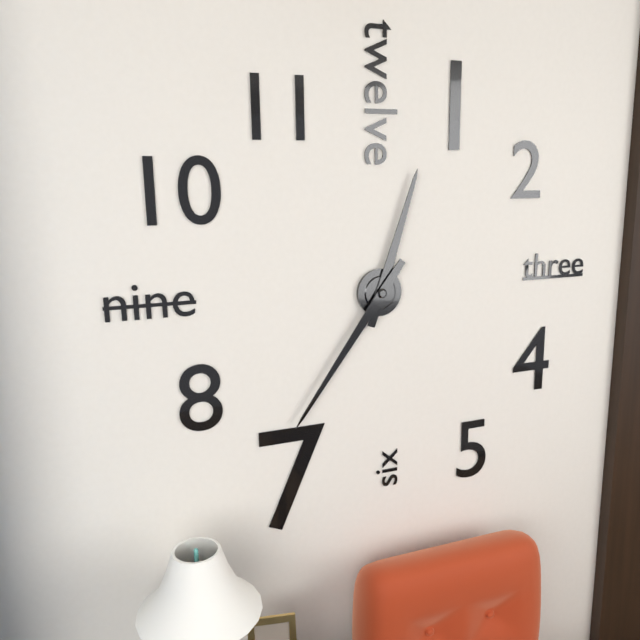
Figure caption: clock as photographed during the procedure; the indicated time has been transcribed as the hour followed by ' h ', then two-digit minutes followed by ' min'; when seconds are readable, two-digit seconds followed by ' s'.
12 h 36 min
